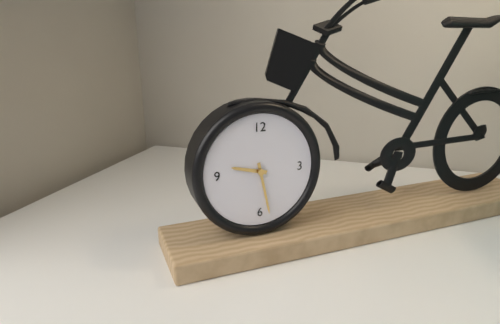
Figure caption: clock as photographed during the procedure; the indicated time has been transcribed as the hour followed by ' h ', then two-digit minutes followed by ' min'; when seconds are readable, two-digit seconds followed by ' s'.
9 h 28 min
